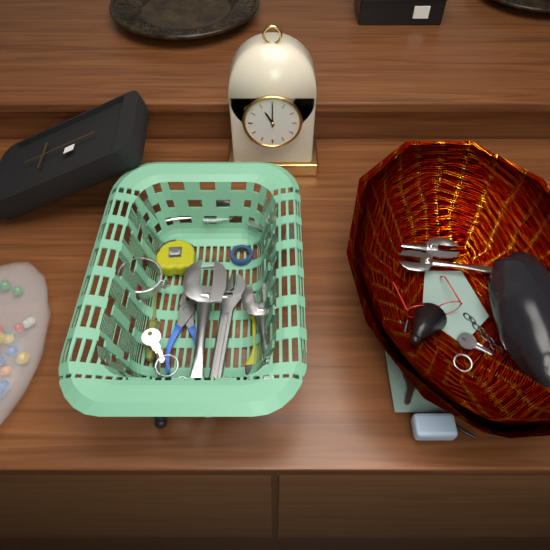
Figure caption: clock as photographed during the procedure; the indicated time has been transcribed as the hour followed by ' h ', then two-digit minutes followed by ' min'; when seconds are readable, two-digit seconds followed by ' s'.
11 h 00 min
